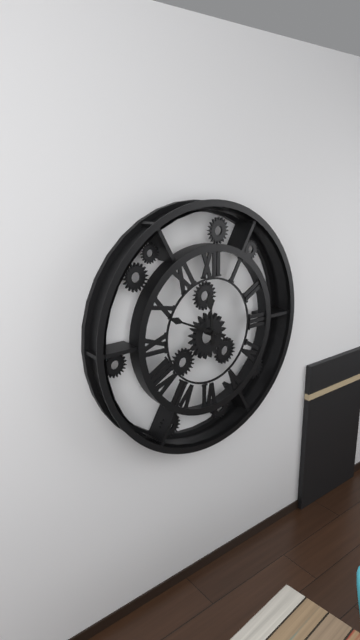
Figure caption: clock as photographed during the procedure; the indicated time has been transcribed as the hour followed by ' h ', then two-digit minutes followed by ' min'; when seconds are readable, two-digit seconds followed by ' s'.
11 h 49 min
